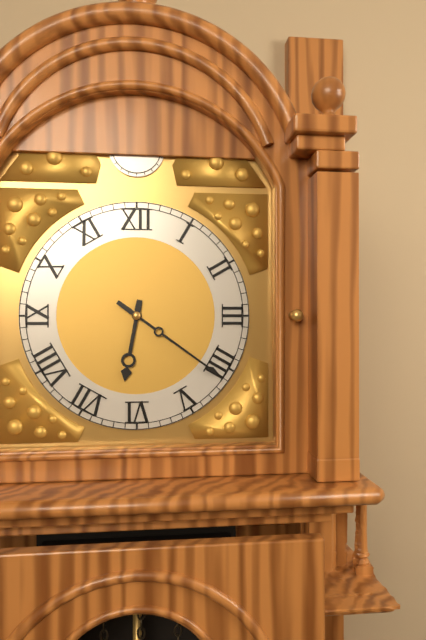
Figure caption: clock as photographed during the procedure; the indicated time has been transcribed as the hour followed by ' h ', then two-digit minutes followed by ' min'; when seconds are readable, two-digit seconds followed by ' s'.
6 h 21 min
